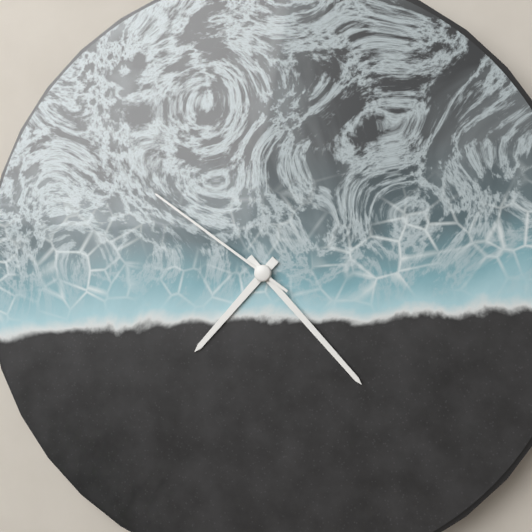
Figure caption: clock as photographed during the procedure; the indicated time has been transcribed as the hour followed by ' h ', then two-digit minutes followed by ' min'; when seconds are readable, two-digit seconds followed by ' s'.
7 h 23 min 51 s
